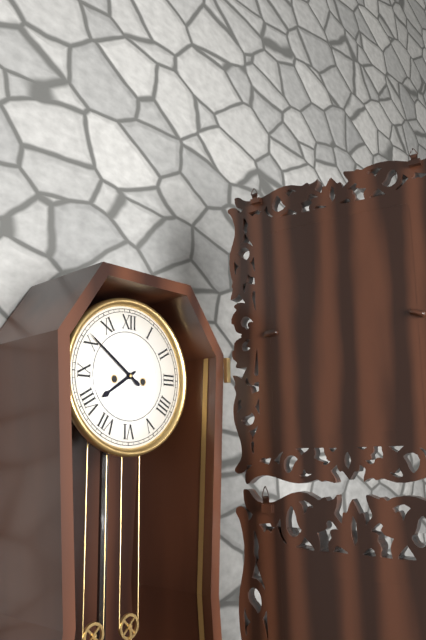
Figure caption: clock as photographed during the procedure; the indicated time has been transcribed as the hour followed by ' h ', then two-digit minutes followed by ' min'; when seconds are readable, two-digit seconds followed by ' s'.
7 h 51 min
